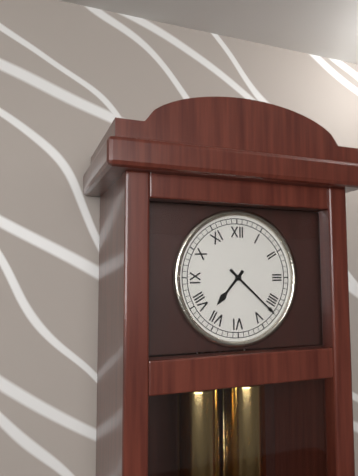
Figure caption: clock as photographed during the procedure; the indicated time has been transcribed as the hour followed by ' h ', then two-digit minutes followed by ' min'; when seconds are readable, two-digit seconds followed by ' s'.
7 h 22 min
